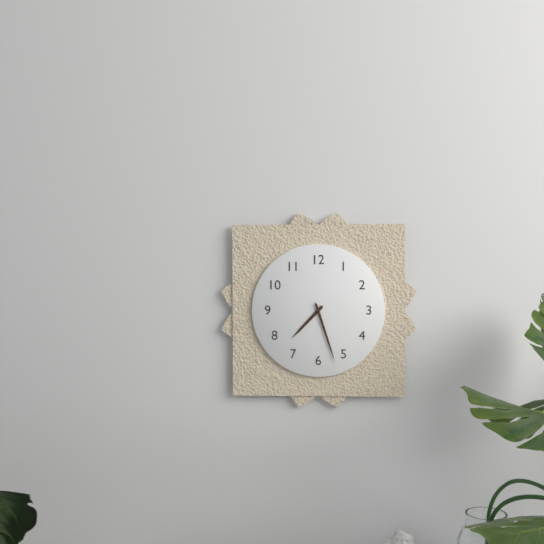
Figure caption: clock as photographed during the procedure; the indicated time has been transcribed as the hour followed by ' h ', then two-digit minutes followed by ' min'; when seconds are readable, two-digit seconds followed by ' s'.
7 h 27 min
